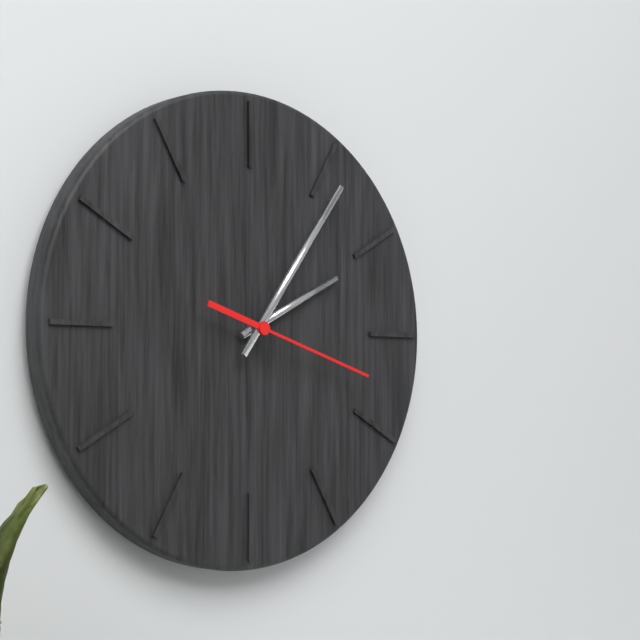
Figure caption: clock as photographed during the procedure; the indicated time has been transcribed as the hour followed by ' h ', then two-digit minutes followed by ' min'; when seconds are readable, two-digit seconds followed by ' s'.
2 h 06 min 18 s
